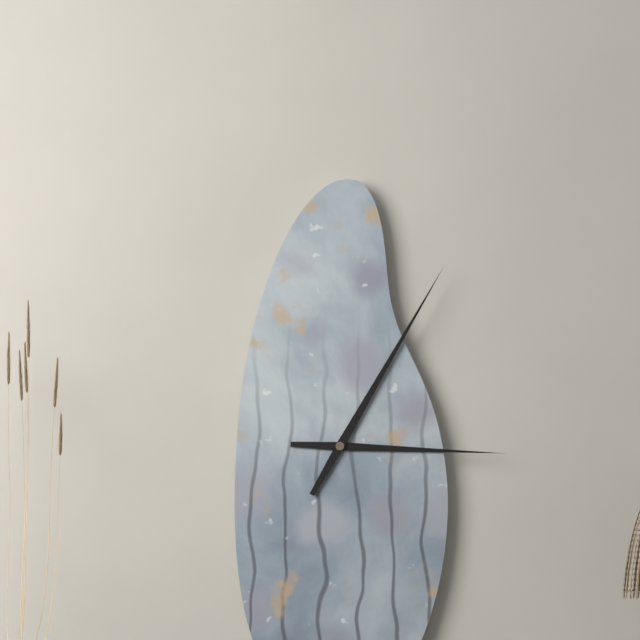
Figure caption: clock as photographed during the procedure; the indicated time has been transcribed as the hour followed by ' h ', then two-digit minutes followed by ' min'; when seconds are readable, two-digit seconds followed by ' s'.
3 h 05 min
